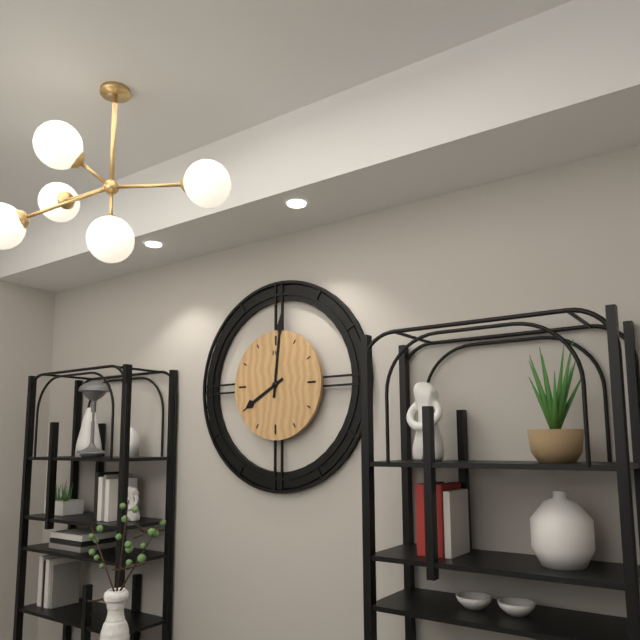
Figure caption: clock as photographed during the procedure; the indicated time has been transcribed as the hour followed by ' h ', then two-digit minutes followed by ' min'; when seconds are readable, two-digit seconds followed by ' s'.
8 h 01 min
